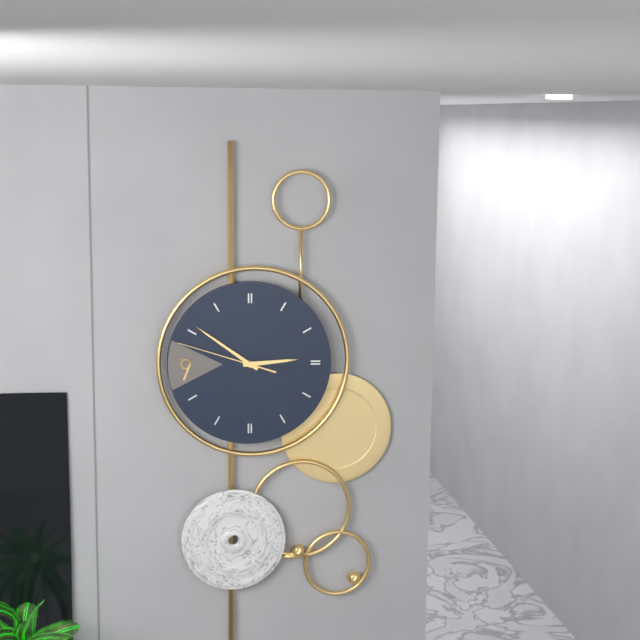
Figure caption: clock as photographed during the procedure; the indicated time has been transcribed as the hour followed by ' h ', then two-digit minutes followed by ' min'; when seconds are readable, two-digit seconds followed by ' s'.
2 h 51 min 48 s
